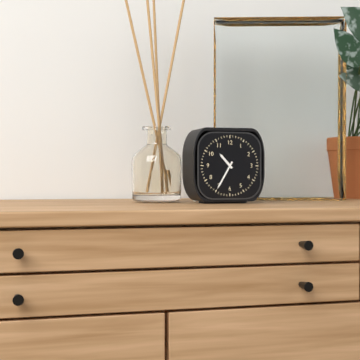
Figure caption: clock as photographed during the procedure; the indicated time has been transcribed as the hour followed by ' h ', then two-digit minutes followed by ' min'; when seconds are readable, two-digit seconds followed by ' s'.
10 h 35 min
